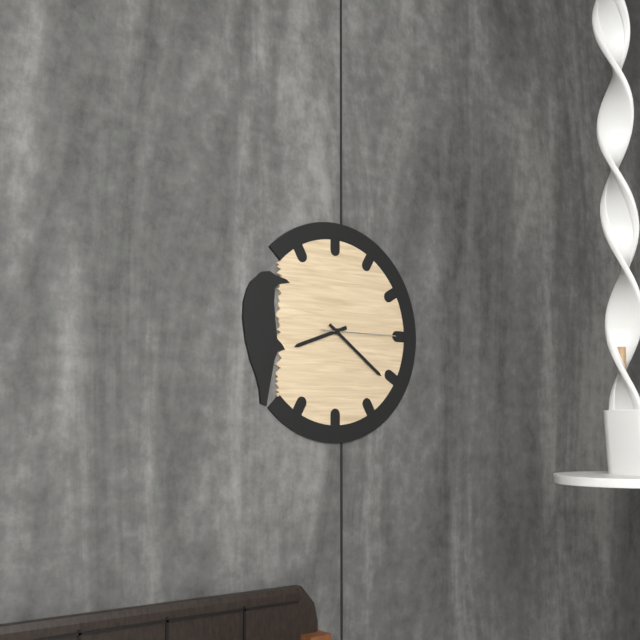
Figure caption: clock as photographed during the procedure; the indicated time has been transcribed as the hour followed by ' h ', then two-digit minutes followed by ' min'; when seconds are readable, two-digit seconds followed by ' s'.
8 h 21 min 15 s
